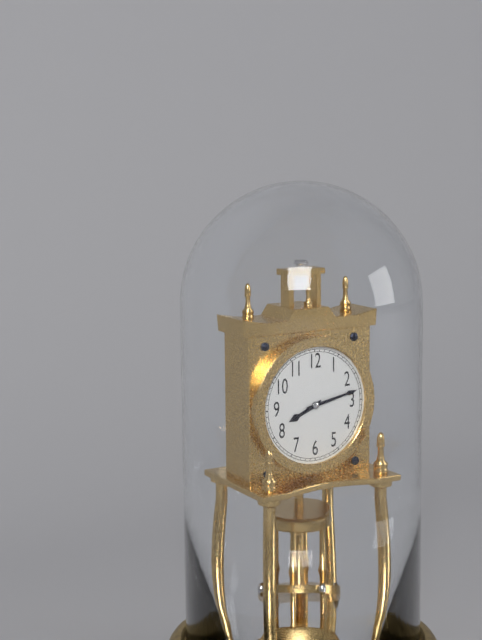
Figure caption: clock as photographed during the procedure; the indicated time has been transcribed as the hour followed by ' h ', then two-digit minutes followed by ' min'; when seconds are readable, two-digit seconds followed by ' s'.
8 h 13 min
